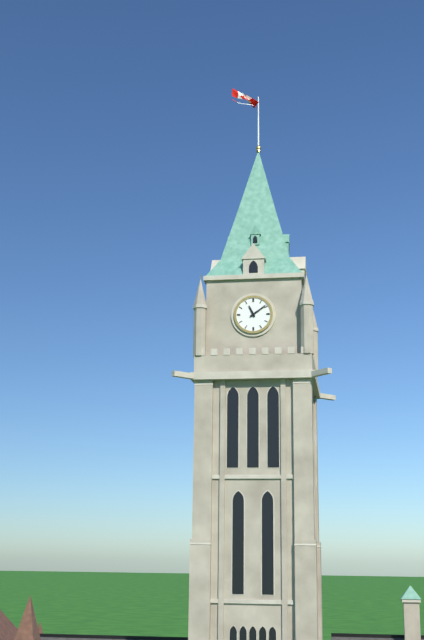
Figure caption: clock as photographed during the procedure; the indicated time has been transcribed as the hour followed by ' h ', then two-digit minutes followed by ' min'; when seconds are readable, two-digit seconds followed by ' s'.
11 h 09 min
